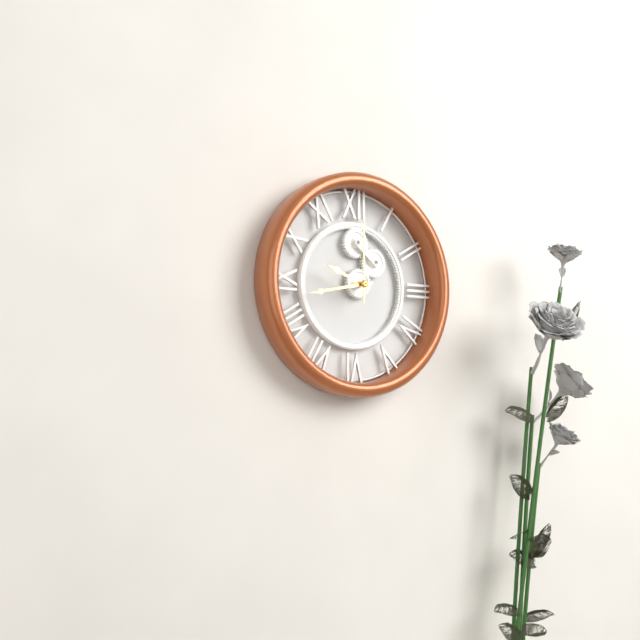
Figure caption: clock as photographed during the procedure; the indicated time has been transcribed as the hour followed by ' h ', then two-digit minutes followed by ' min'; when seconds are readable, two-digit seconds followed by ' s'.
9 h 43 min 00 s
